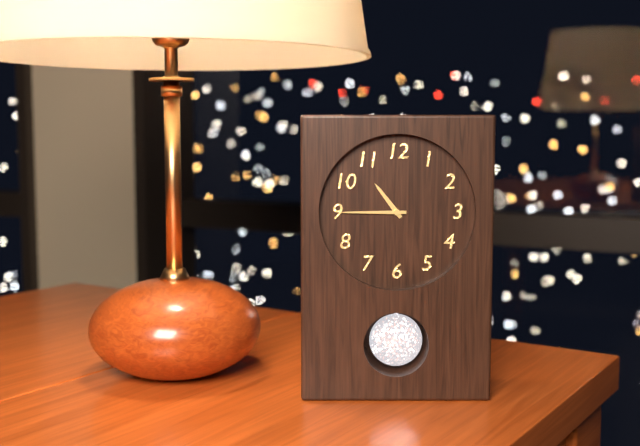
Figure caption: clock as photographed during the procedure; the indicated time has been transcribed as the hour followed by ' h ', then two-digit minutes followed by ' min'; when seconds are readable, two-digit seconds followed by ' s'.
10 h 45 min
